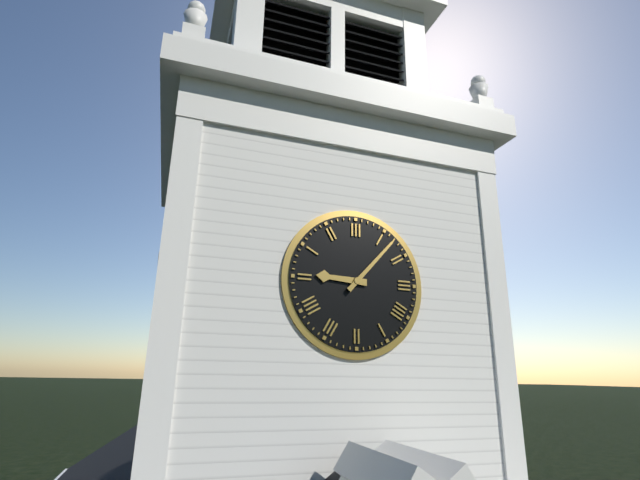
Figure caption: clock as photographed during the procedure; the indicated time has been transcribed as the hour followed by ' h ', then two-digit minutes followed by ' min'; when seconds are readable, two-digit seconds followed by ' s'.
9 h 07 min
